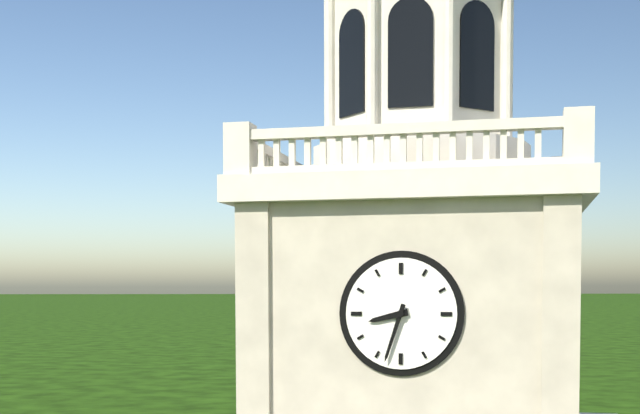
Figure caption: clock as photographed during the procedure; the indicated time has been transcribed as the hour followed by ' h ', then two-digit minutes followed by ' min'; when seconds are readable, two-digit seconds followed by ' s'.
8 h 33 min
